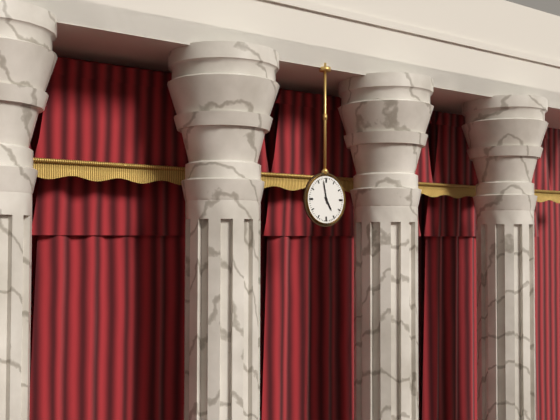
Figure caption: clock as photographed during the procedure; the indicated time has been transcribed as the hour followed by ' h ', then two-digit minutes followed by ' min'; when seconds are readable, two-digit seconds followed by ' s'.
4 h 58 min
